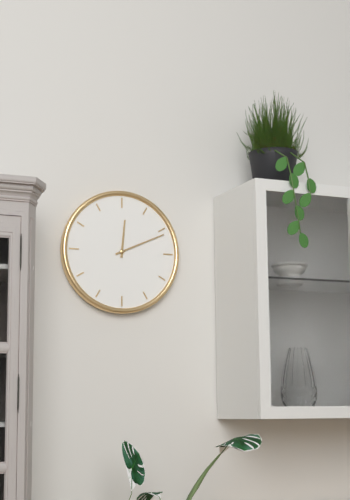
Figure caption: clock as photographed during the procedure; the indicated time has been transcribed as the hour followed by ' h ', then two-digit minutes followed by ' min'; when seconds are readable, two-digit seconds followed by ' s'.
12 h 11 min
